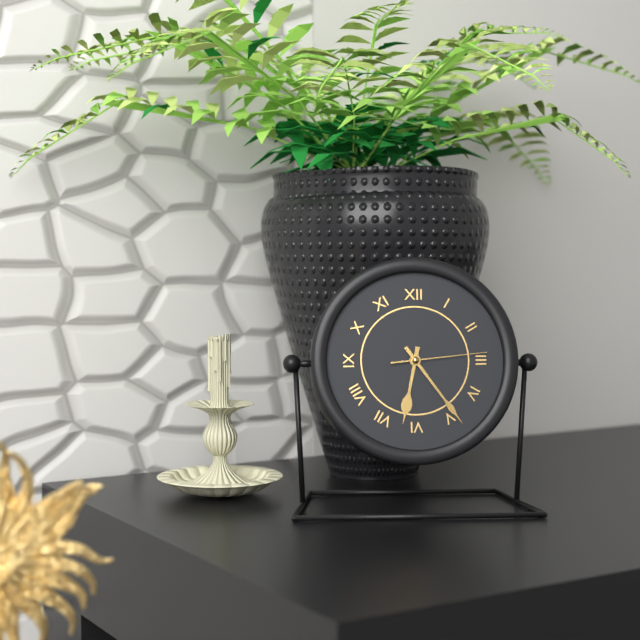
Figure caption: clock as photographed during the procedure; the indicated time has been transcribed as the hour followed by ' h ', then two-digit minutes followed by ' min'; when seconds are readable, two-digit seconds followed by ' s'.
6 h 24 min 14 s
